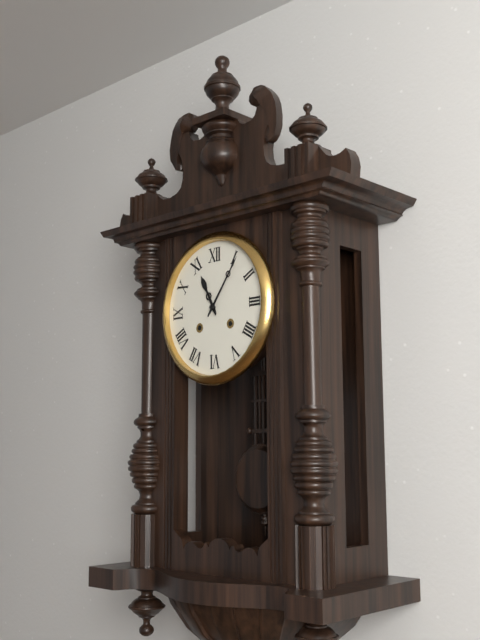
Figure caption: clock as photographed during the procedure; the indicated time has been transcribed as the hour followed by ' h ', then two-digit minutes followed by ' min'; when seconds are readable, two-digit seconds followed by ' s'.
11 h 06 min
